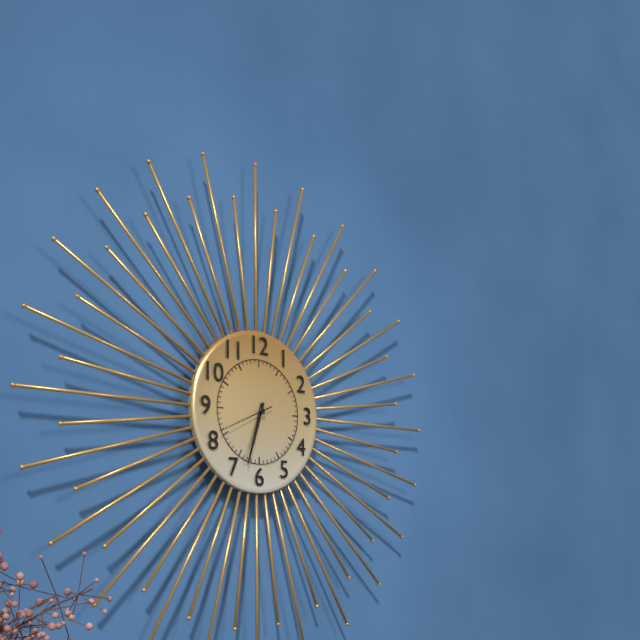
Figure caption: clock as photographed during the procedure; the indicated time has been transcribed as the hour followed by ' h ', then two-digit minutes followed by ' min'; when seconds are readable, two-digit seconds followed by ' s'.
6 h 33 min 41 s
